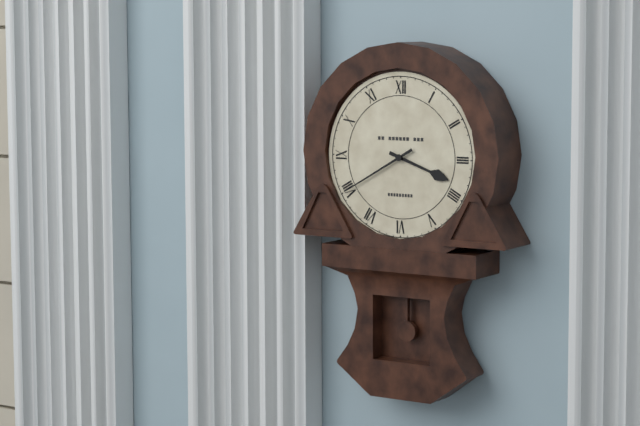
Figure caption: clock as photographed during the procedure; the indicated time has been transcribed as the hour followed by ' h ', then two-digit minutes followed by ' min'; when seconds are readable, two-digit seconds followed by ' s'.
3 h 40 min
